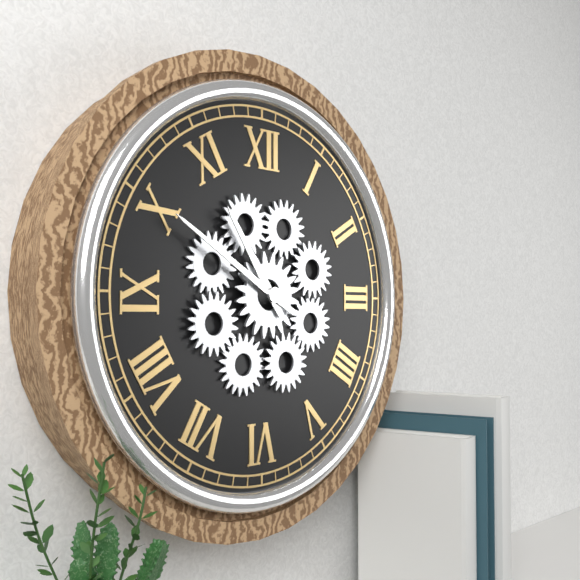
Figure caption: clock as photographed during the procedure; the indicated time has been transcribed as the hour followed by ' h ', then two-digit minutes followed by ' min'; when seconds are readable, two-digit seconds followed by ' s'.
10 h 50 min
